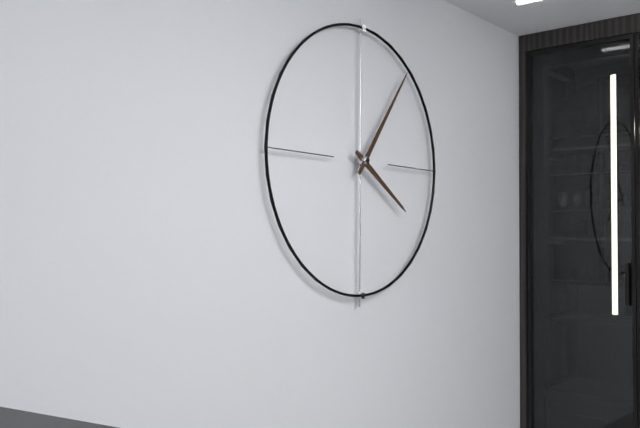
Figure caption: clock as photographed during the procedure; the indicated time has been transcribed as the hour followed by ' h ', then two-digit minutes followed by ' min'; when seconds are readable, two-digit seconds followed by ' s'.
4 h 06 min
